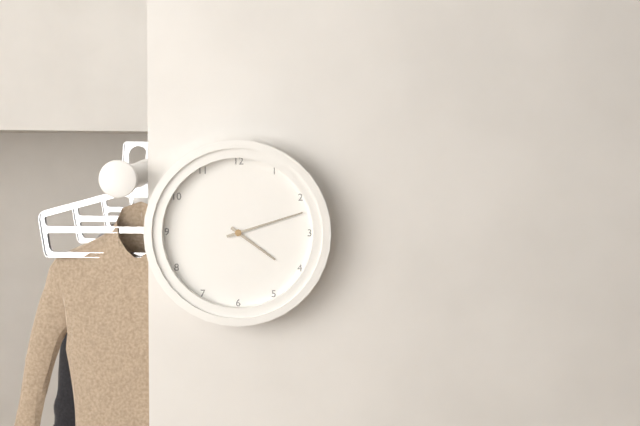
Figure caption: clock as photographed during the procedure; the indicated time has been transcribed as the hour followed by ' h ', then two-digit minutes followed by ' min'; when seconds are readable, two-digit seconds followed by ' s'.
4 h 12 min
